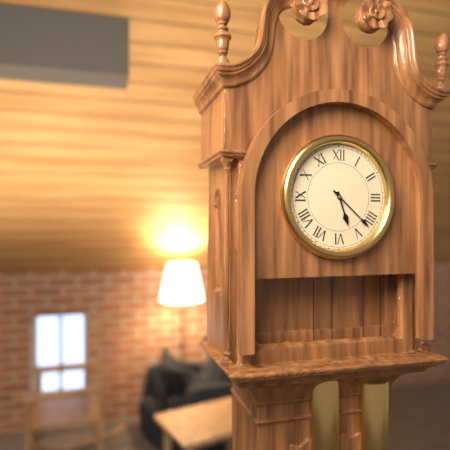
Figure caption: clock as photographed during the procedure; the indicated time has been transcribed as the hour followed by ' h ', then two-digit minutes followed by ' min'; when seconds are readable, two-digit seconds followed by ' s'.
5 h 22 min
